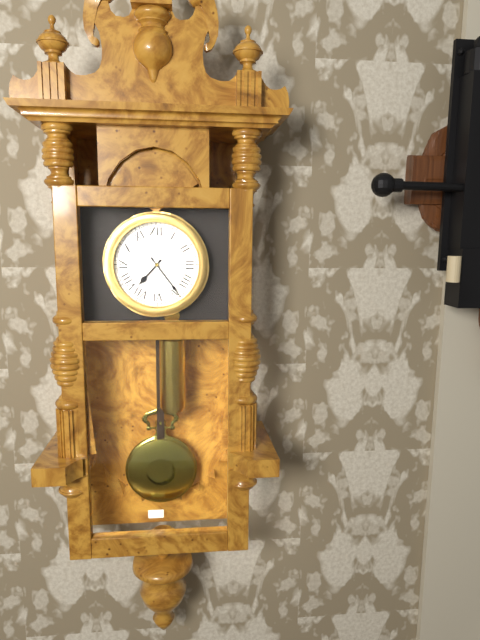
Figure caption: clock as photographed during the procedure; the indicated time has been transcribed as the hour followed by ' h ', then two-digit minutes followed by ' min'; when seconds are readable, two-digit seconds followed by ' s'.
7 h 24 min
